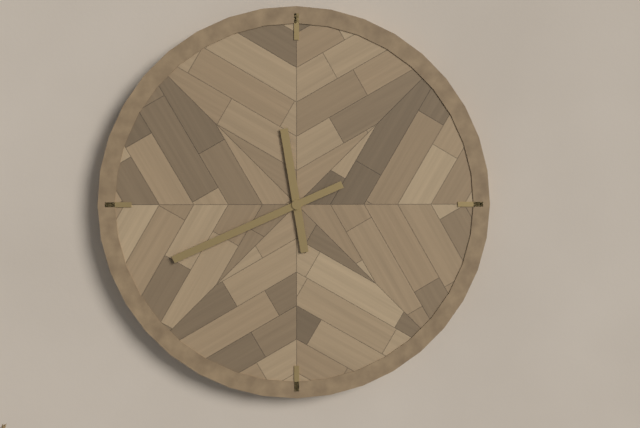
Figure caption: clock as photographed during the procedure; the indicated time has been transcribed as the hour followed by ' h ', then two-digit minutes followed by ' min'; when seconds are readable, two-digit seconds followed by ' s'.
11 h 41 min
